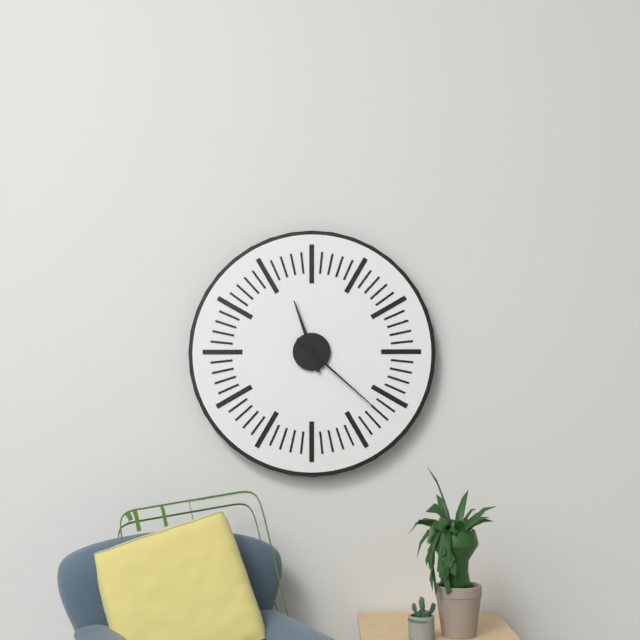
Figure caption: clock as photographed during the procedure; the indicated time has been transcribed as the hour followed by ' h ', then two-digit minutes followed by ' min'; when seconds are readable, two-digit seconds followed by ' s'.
11 h 22 min
